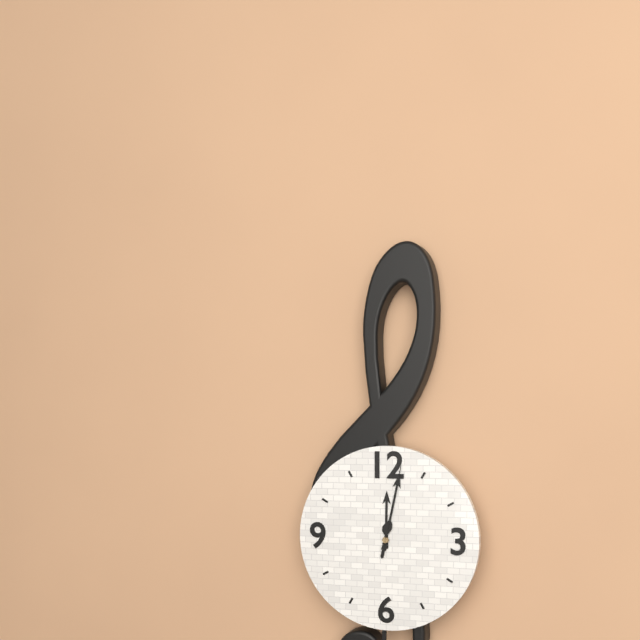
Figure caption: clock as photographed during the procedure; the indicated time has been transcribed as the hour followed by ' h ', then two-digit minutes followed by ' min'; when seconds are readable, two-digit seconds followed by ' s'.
12 h 02 min 02 s
